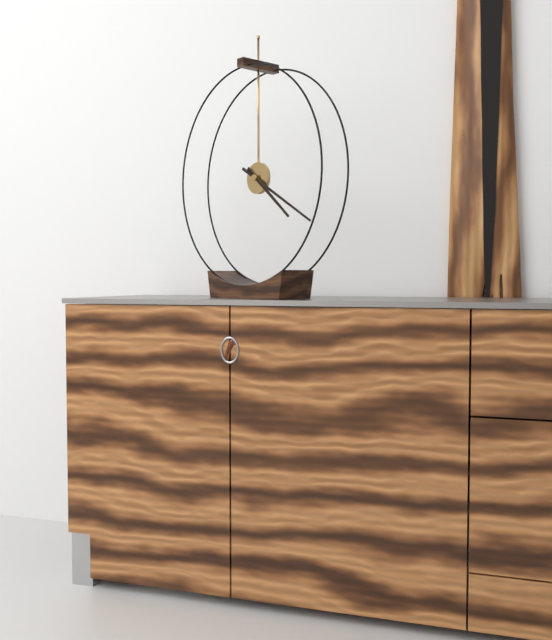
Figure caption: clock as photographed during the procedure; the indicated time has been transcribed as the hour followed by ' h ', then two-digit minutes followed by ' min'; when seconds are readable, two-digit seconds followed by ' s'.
4 h 20 min
